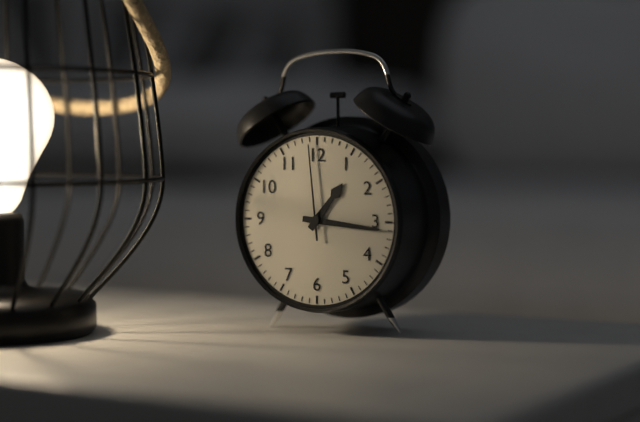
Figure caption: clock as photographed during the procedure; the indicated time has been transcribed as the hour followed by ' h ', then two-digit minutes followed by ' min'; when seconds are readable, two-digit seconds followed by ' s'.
1 h 16 min 59 s
